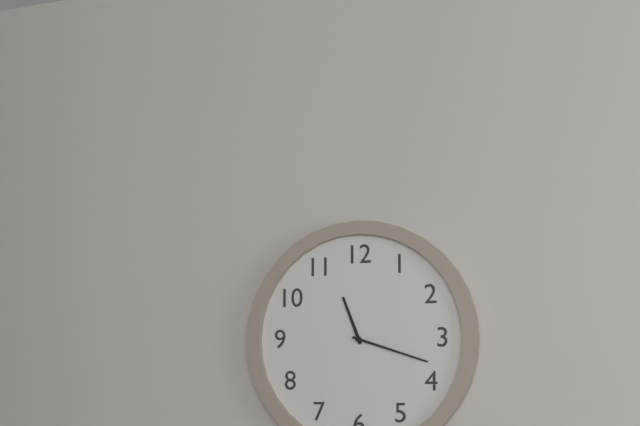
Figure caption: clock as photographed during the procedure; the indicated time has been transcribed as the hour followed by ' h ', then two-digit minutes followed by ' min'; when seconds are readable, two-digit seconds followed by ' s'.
11 h 18 min
